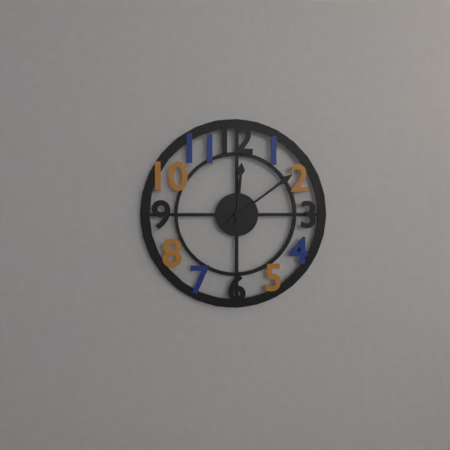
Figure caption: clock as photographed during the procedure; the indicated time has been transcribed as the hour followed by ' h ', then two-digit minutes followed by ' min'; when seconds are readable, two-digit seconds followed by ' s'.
12 h 09 min
